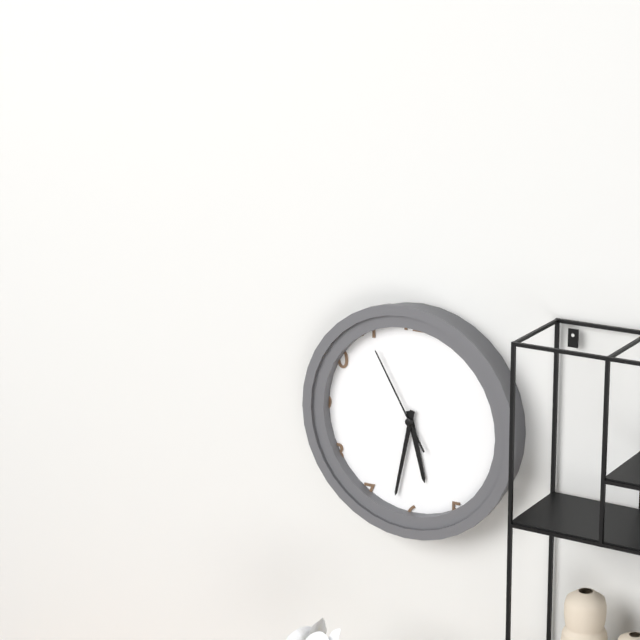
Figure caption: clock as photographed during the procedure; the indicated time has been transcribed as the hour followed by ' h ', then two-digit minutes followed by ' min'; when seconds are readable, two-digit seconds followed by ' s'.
5 h 32 min 55 s
